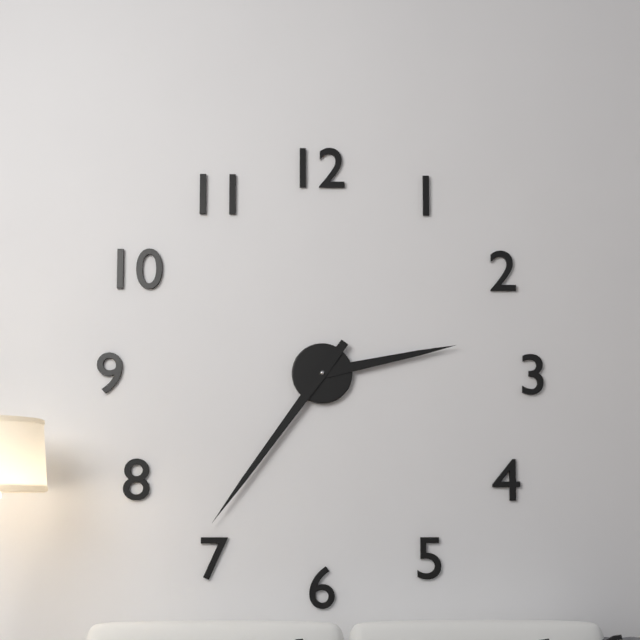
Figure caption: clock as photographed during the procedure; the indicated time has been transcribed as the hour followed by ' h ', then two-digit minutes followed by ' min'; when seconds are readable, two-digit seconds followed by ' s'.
2 h 36 min
